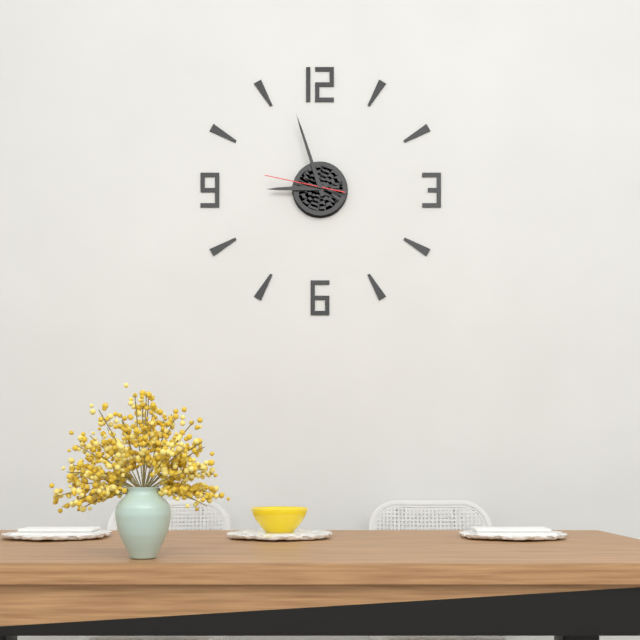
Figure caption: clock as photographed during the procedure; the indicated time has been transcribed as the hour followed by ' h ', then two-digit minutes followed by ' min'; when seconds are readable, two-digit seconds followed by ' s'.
8 h 57 min 47 s
